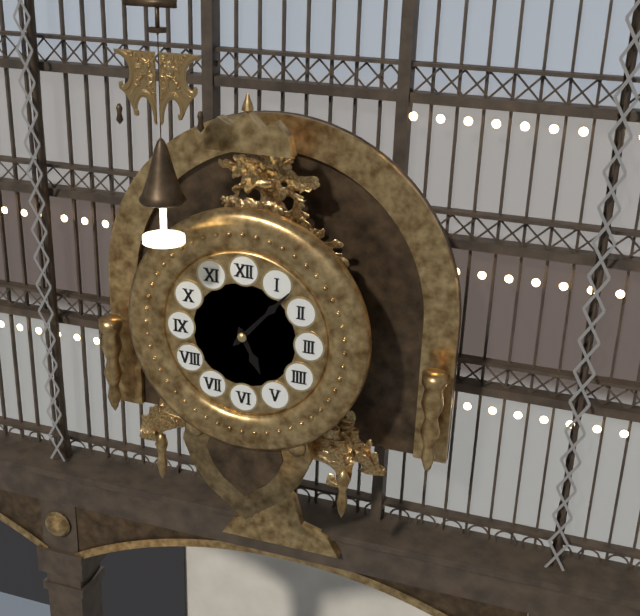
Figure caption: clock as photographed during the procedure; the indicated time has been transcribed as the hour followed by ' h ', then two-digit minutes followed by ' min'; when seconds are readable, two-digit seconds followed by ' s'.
5 h 07 min
